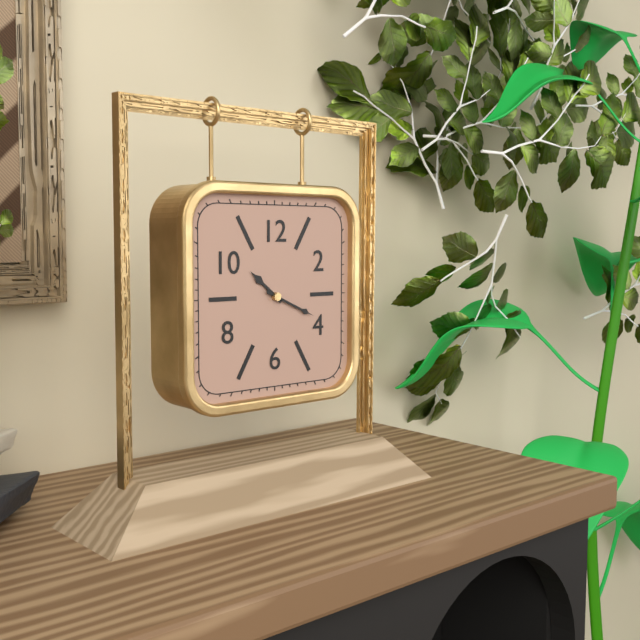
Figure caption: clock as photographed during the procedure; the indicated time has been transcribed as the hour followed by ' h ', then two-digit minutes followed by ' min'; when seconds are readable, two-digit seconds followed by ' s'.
10 h 19 min
